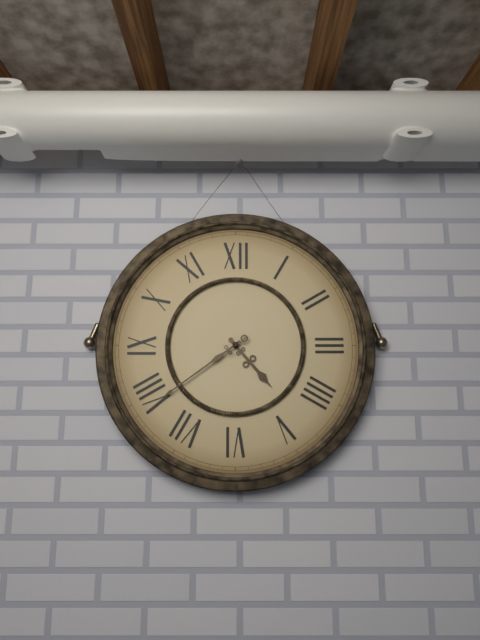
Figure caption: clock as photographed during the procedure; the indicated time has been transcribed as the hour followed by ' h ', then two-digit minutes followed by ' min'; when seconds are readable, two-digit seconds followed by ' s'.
4 h 39 min
